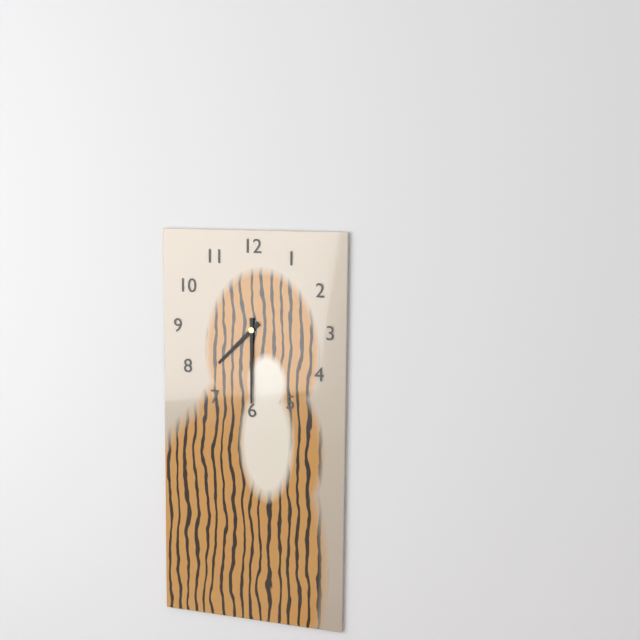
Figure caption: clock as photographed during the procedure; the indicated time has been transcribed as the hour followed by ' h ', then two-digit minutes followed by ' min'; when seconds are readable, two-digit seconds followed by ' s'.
7 h 30 min
